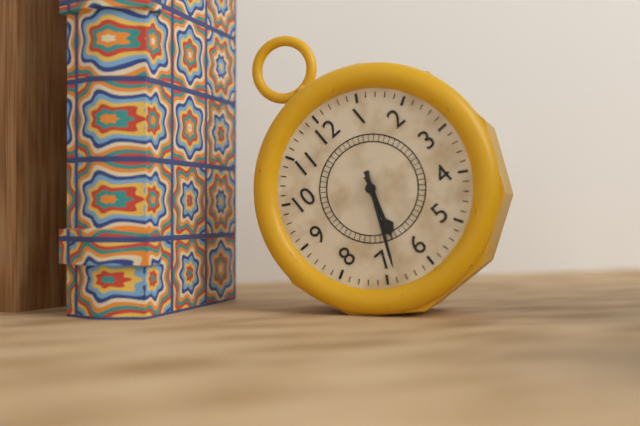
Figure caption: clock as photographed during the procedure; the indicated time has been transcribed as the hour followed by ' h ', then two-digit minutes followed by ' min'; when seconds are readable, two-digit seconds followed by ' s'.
6 h 34 min
